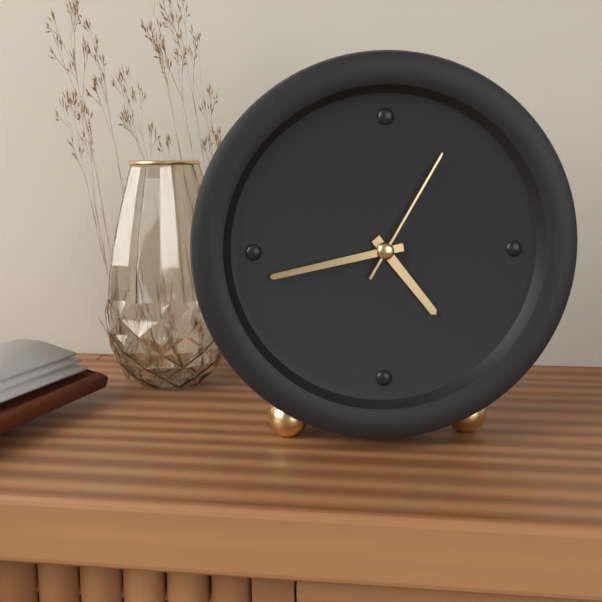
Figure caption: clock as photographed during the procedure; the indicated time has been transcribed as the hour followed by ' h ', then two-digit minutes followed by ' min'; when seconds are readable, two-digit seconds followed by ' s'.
4 h 43 min 05 s
